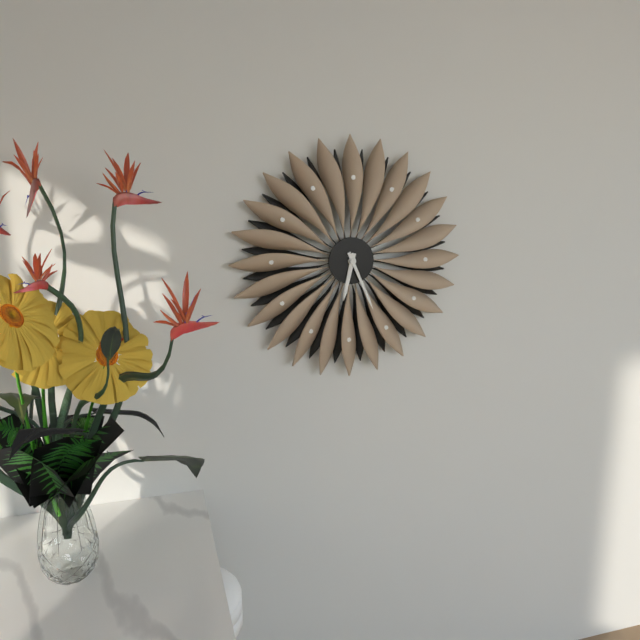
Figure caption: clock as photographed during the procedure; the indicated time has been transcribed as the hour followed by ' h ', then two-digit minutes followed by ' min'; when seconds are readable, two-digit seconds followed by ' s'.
6 h 26 min
